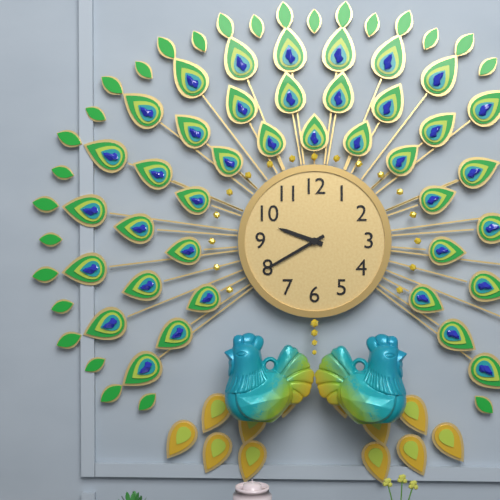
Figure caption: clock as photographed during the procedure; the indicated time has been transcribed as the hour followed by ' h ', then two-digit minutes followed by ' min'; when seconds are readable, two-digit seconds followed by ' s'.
9 h 40 min
